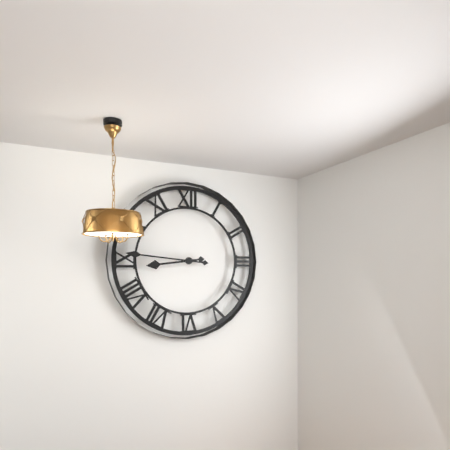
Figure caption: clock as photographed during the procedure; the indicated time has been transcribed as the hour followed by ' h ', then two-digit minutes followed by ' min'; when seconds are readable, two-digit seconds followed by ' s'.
8 h 46 min
